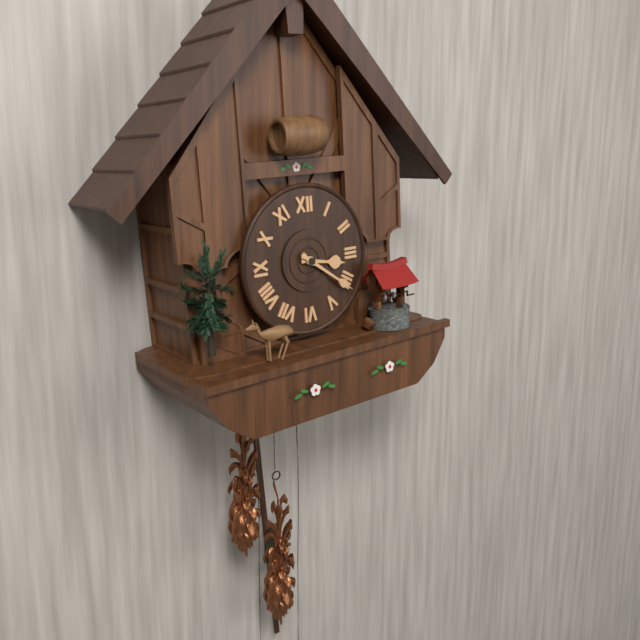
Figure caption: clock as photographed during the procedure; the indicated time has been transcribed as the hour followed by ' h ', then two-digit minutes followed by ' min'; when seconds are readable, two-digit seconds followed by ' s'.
3 h 21 min
